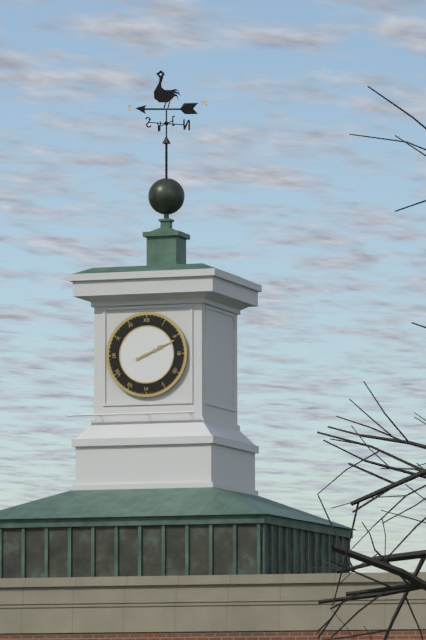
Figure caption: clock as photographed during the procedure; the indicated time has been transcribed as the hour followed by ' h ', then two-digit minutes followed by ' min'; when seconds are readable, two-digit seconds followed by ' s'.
2 h 11 min
